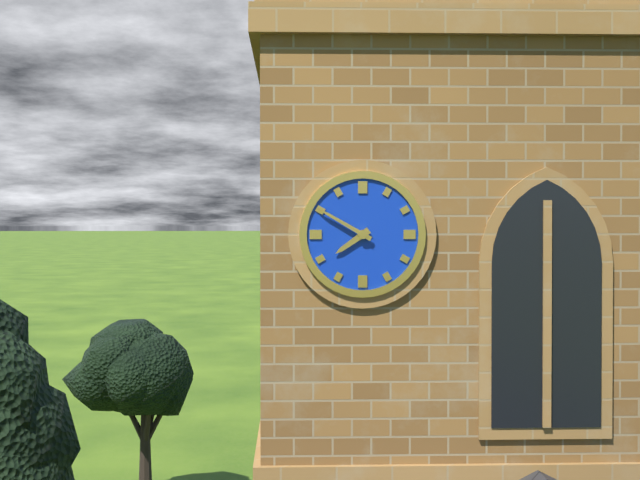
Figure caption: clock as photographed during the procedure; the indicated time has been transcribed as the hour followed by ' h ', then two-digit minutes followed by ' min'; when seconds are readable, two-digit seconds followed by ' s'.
7 h 50 min
